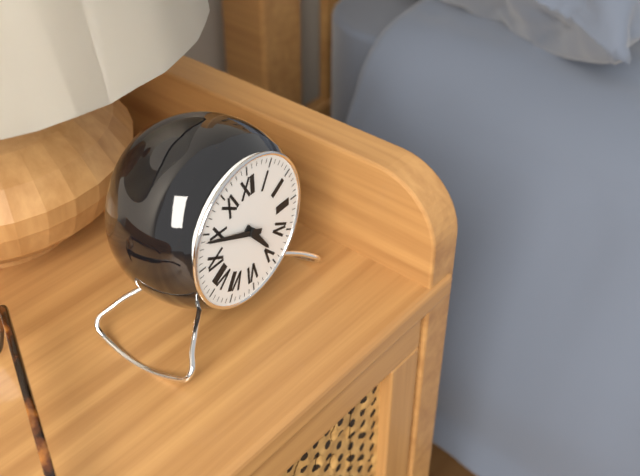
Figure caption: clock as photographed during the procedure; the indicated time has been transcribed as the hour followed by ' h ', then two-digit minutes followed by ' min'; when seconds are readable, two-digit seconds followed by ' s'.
4 h 49 min
